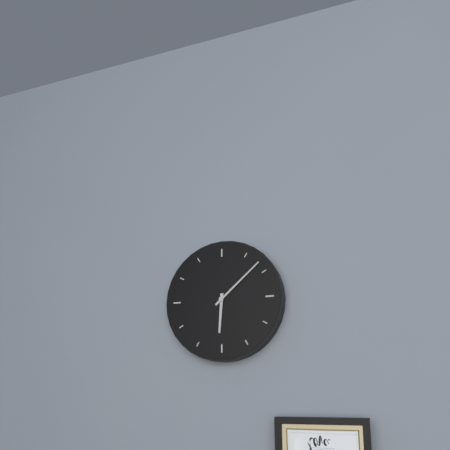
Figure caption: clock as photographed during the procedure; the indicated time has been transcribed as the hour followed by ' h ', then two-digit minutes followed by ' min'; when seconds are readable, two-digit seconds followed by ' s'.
6 h 08 min
